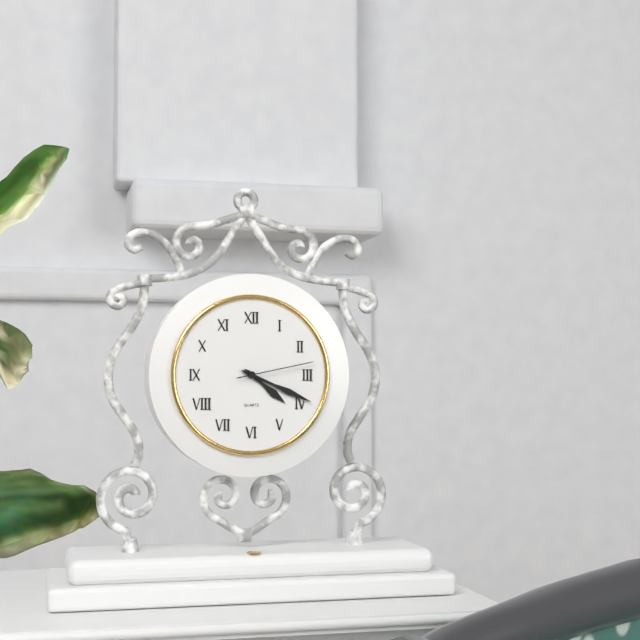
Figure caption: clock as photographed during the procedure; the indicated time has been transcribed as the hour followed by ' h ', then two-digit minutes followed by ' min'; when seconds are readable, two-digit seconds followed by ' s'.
4 h 19 min 13 s
